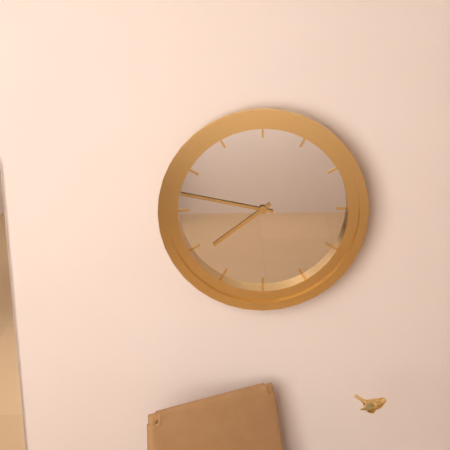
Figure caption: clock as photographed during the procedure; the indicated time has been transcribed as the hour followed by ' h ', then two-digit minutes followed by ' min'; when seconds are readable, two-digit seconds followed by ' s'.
7 h 47 min
